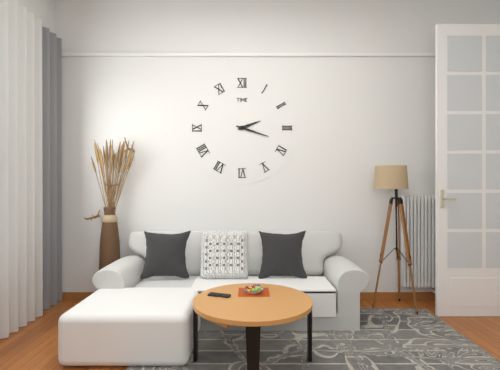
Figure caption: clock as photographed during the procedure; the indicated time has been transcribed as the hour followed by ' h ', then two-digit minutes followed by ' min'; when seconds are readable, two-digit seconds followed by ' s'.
2 h 18 min
